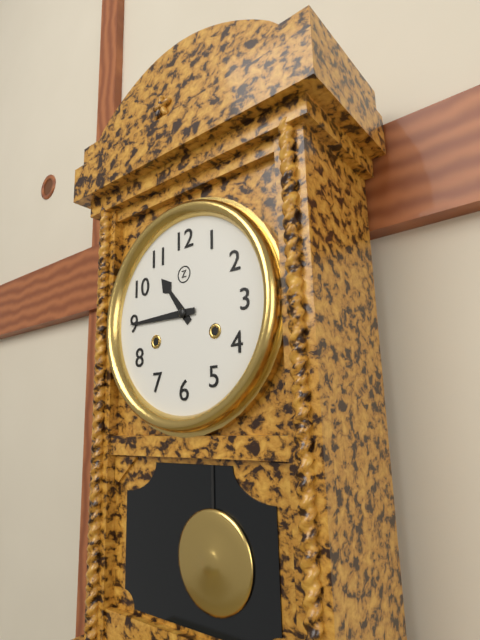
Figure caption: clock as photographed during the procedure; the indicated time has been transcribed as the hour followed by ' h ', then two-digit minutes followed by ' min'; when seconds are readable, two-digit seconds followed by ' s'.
10 h 45 min
